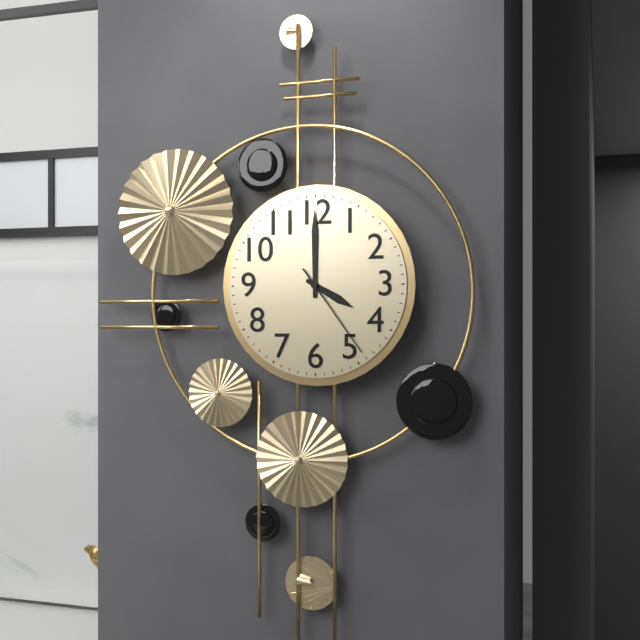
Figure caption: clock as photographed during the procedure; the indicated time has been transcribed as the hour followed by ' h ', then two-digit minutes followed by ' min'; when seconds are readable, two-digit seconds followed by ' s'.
4 h 00 min 24 s
